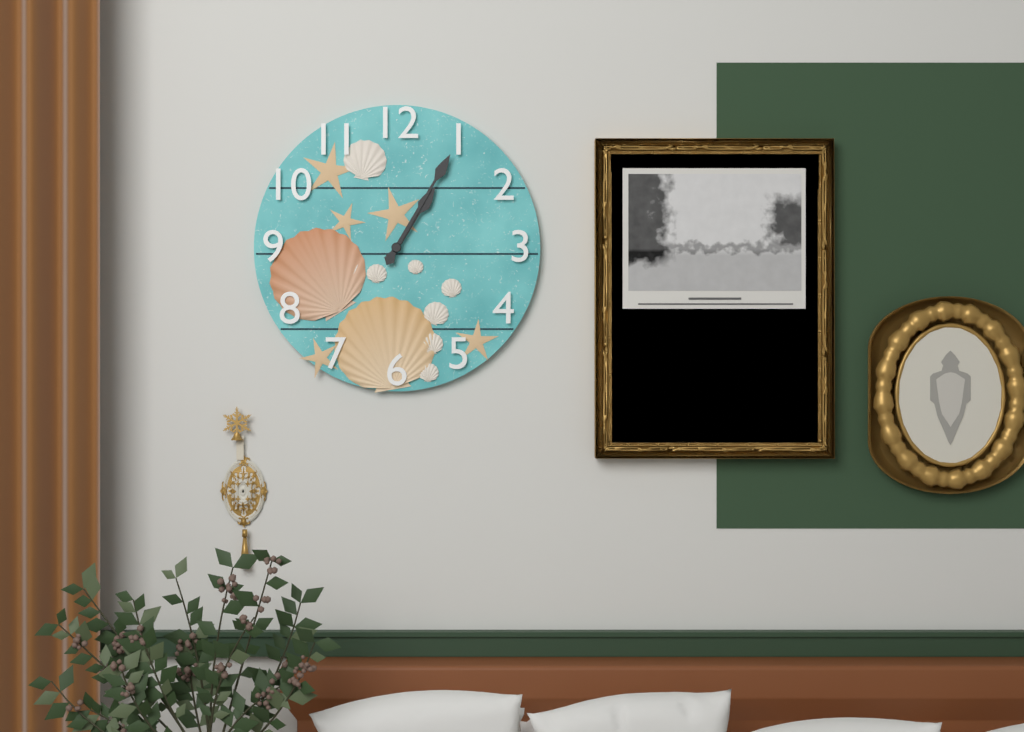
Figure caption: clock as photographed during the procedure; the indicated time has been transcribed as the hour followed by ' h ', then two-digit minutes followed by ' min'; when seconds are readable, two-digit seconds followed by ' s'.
1 h 05 min
